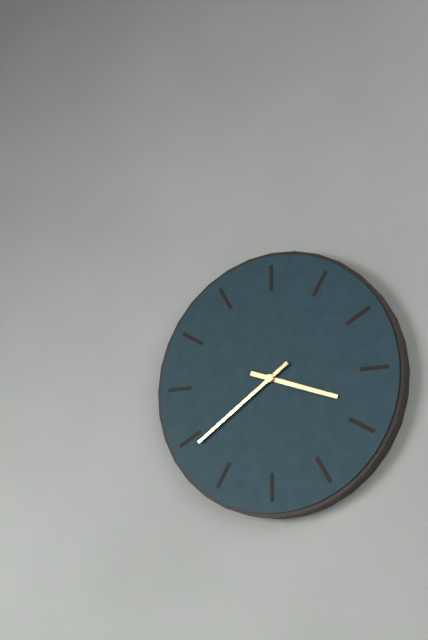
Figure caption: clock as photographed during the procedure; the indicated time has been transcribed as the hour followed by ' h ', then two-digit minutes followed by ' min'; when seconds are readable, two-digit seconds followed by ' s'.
3 h 39 min
